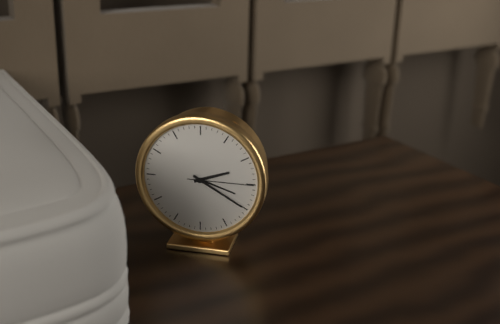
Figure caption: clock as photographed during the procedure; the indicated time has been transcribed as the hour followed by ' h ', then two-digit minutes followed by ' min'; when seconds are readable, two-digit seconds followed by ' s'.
2 h 20 min 15 s
